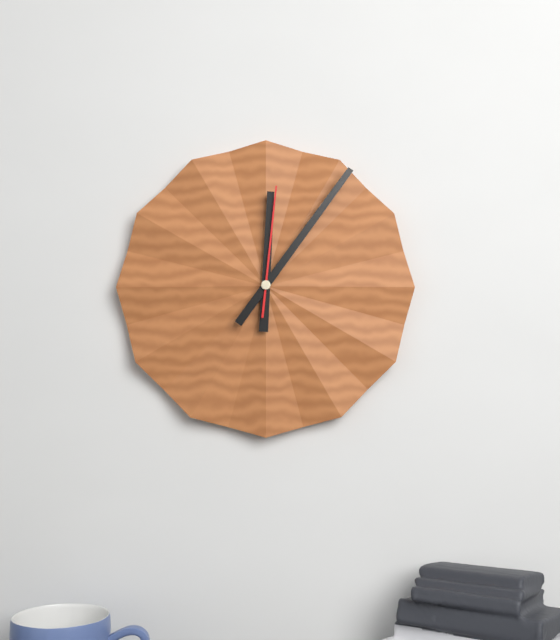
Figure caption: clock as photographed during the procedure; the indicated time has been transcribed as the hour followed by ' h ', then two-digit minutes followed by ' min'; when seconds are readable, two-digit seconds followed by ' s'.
12 h 06 min 01 s
